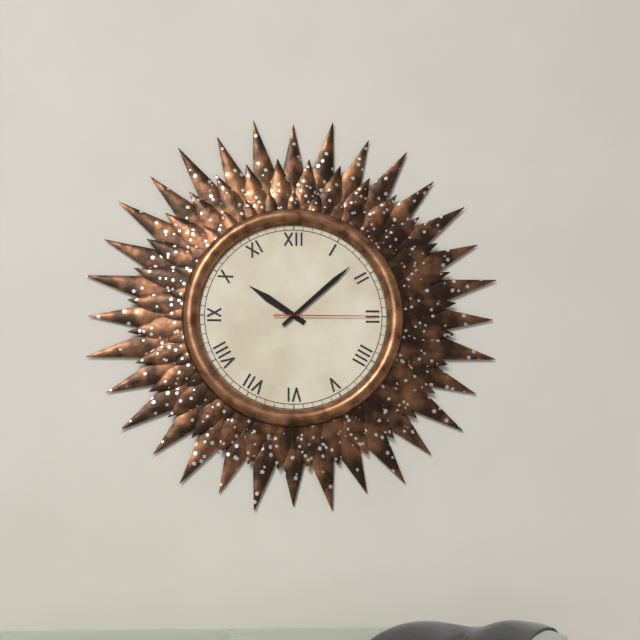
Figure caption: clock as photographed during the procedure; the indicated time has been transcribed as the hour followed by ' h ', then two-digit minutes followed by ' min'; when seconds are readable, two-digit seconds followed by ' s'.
10 h 08 min 15 s
